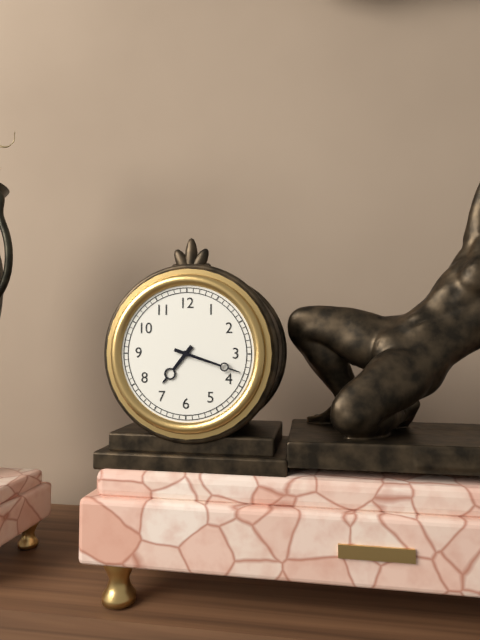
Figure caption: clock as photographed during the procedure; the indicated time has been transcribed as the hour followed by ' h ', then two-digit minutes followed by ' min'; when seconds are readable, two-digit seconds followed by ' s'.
7 h 18 min
